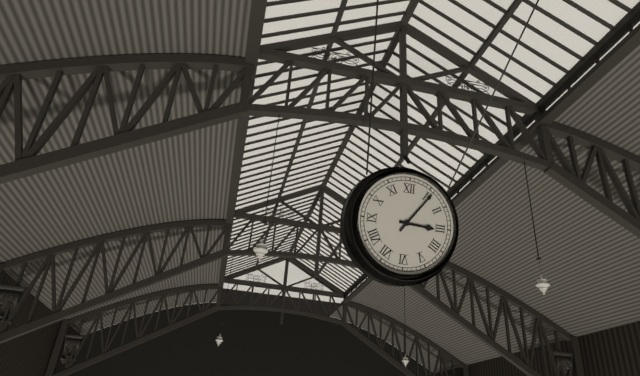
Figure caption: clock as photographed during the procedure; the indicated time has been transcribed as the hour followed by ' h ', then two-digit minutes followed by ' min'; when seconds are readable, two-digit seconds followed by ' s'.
3 h 06 min
